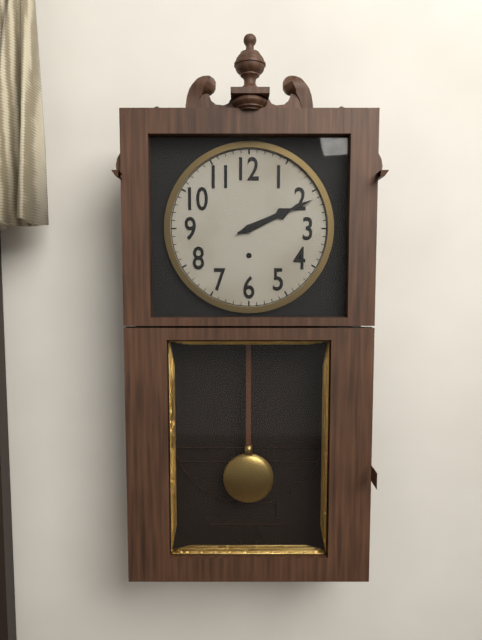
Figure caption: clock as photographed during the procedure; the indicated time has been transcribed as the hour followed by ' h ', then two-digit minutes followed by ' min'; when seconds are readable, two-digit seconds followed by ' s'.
2 h 11 min
